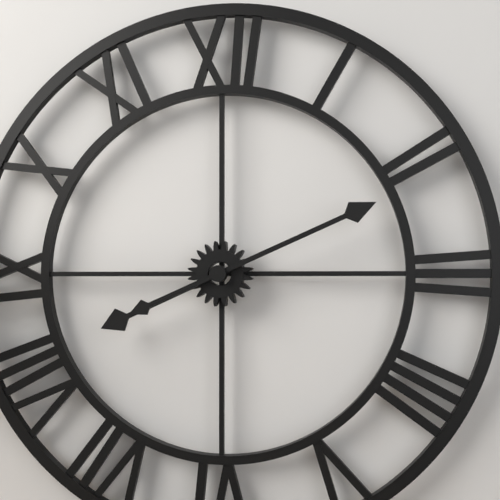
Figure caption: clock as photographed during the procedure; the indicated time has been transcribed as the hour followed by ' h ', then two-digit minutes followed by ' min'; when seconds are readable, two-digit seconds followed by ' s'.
8 h 11 min
